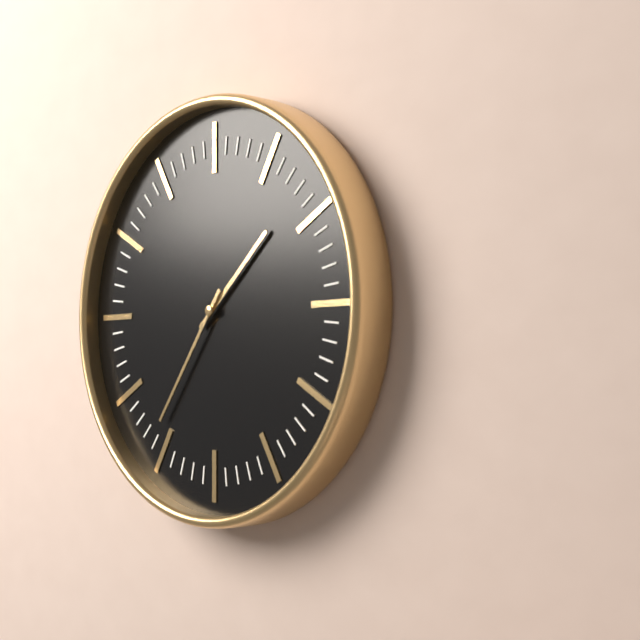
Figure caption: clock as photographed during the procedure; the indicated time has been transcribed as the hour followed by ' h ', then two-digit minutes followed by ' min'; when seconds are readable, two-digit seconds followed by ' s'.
1 h 36 min
